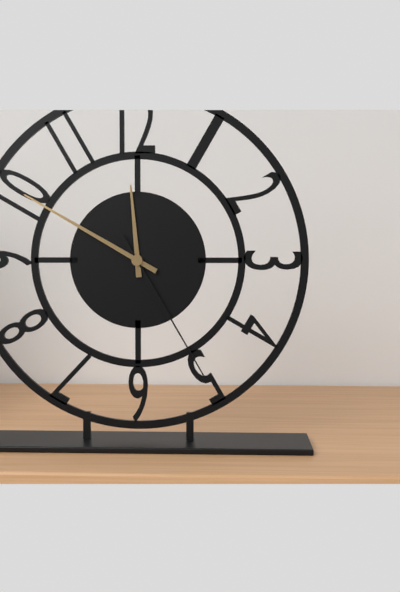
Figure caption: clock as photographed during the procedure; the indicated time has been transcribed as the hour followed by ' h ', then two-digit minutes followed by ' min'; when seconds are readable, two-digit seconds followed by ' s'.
11 h 50 min 25 s
